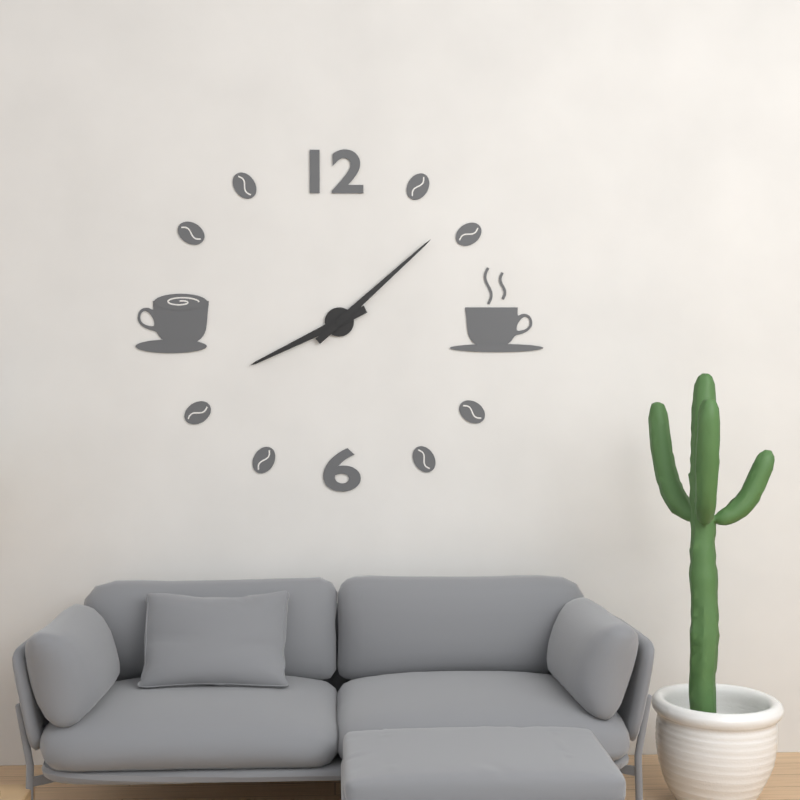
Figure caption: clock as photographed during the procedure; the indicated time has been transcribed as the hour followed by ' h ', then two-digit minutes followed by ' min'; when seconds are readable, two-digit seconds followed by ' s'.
8 h 08 min
